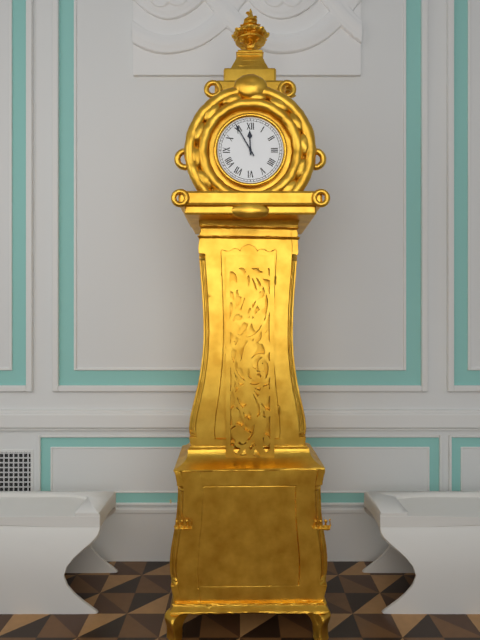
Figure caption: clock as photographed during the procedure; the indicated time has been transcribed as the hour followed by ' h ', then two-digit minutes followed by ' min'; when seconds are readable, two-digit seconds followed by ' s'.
11 h 55 min
